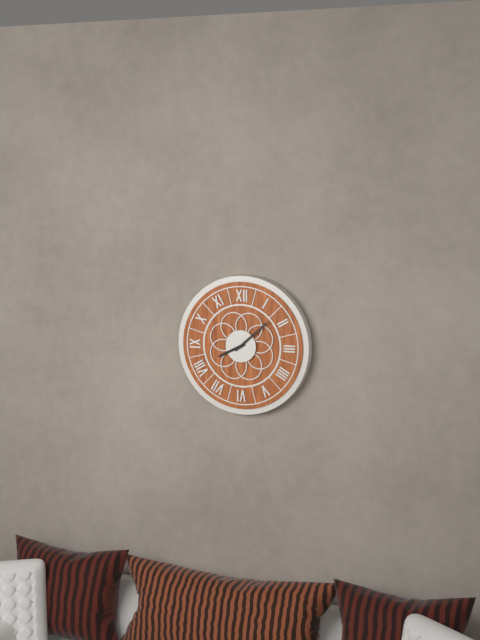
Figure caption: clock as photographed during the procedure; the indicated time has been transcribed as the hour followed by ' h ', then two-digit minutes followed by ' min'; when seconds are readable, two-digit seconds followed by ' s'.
8 h 08 min
